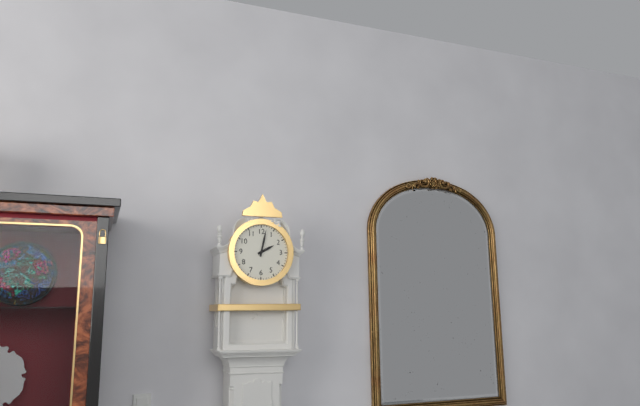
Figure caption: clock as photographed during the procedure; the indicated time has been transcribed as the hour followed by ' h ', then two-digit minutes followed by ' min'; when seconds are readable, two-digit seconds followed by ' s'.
2 h 02 min
